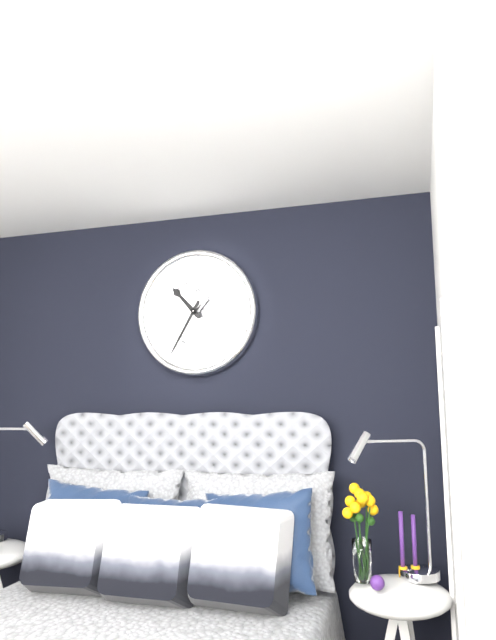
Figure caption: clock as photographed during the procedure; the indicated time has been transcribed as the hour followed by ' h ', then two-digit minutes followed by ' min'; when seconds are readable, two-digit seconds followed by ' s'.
10 h 35 min
